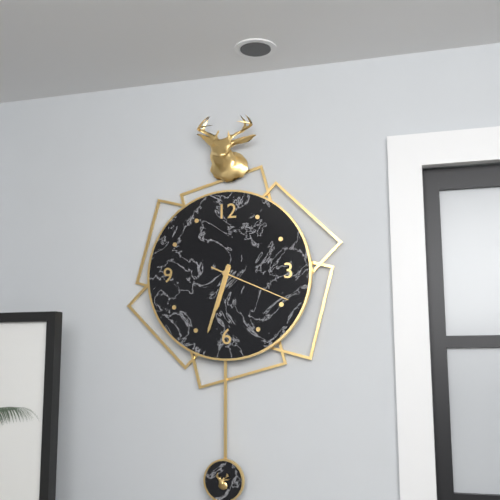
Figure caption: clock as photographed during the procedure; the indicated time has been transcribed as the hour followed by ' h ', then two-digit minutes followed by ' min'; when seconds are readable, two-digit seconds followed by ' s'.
6 h 33 min 19 s
